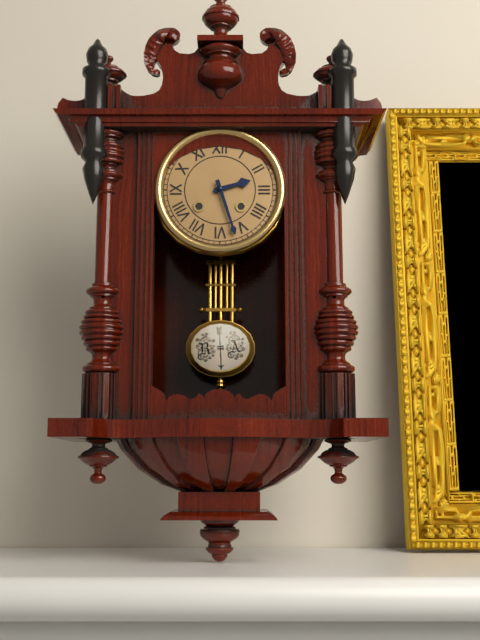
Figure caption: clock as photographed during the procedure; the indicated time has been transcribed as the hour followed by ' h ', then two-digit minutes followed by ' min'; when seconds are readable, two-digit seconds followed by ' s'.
2 h 27 min
